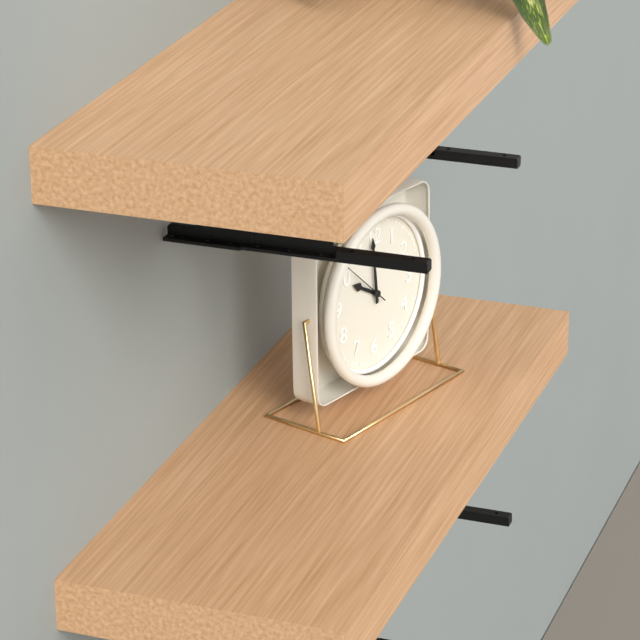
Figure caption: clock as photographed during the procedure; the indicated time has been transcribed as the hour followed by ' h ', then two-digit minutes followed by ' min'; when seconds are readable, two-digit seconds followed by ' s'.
9 h 59 min 52 s
